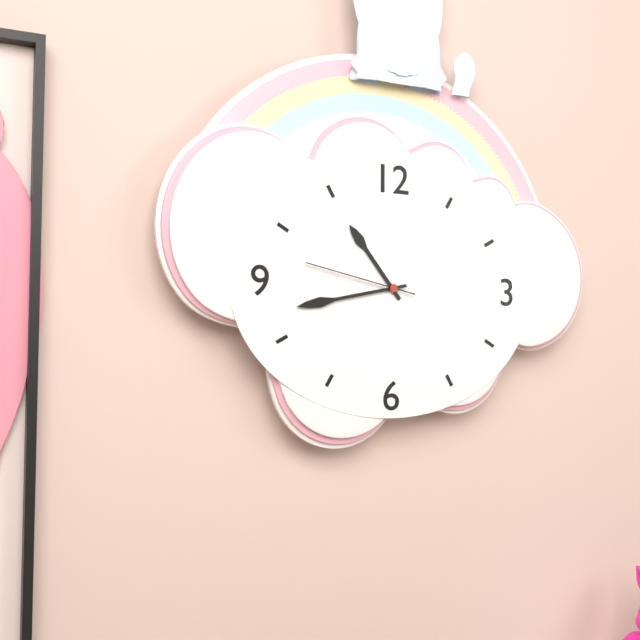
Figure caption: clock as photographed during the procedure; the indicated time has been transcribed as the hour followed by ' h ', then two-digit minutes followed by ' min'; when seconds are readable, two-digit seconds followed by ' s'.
10 h 43 min 47 s
